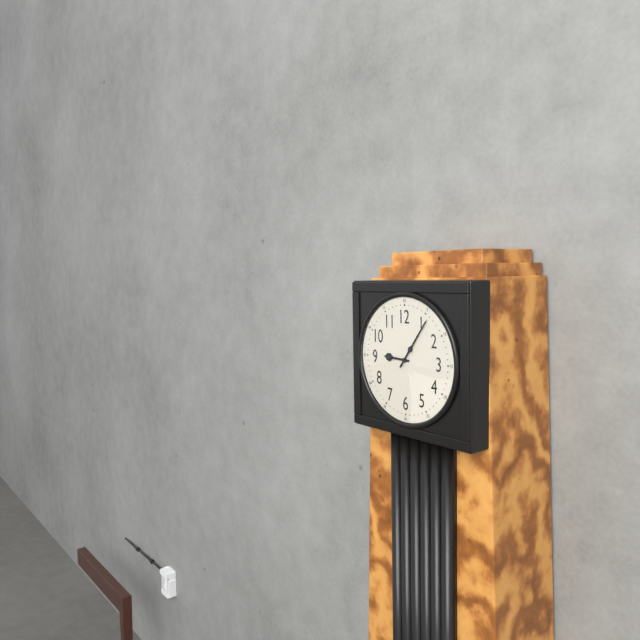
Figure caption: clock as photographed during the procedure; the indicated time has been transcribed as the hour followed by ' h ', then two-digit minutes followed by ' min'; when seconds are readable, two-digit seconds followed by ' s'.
9 h 06 min
